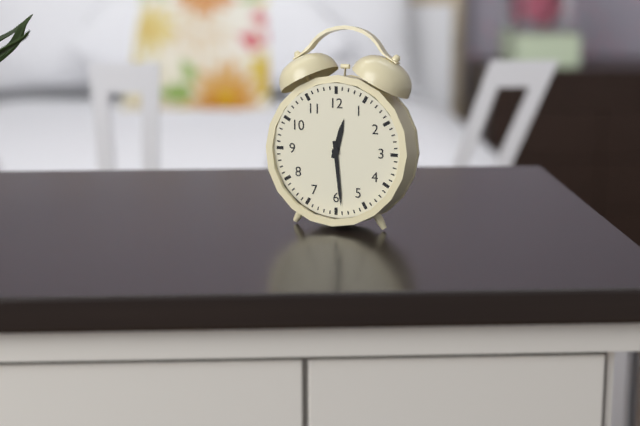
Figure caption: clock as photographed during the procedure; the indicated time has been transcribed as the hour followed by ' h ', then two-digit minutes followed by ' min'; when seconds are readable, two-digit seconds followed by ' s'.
12 h 29 min
